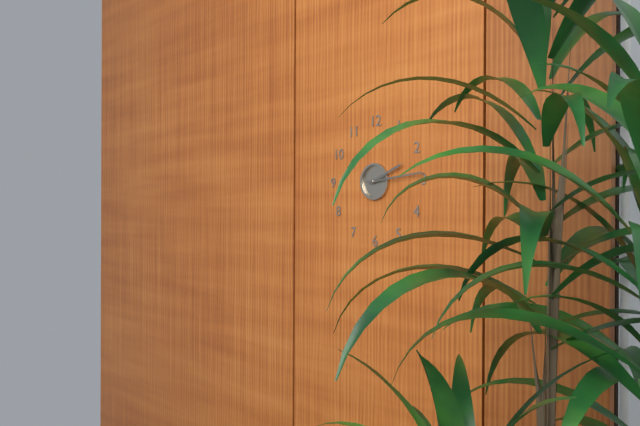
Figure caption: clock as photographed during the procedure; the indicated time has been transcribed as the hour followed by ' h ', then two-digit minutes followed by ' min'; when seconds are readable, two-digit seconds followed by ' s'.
2 h 14 min
